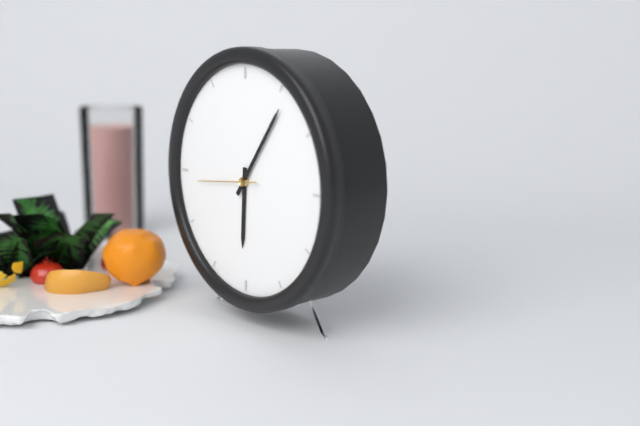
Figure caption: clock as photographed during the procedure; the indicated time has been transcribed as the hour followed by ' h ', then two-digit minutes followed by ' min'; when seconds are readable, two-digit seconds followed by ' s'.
6 h 06 min 44 s
